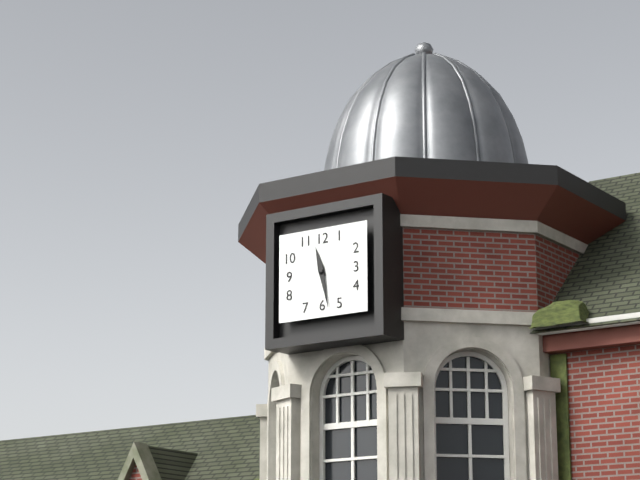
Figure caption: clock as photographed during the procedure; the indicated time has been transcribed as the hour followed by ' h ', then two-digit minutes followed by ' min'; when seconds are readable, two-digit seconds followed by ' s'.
11 h 28 min
